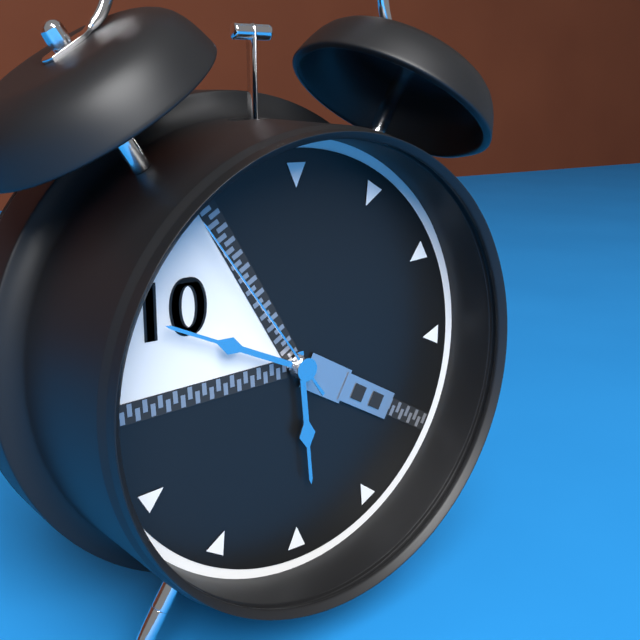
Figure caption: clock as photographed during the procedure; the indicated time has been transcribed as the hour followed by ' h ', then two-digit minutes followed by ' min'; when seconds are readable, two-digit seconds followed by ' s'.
5 h 49 min 54 s
